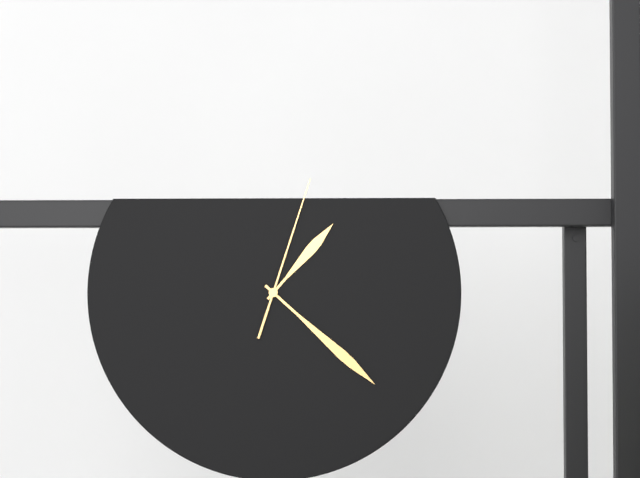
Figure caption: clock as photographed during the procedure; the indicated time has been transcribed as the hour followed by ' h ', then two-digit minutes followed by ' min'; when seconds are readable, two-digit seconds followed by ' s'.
1 h 22 min 03 s
